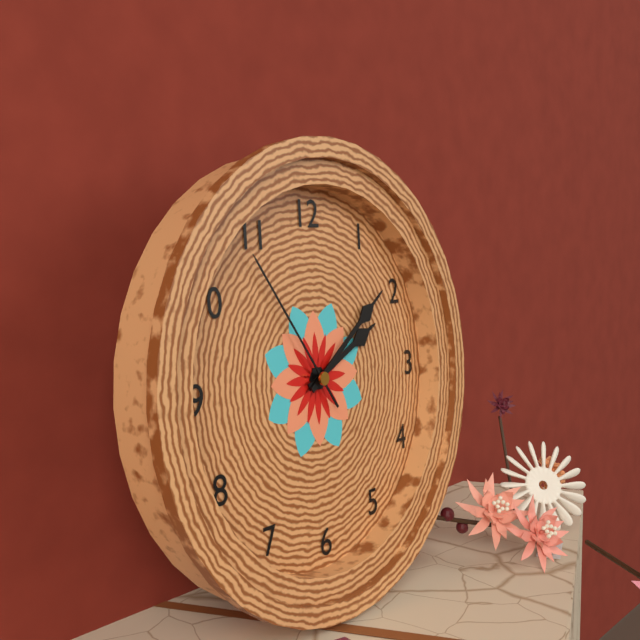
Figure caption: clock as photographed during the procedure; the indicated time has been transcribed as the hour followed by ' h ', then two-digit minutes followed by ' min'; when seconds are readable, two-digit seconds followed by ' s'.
2 h 09 min 54 s
